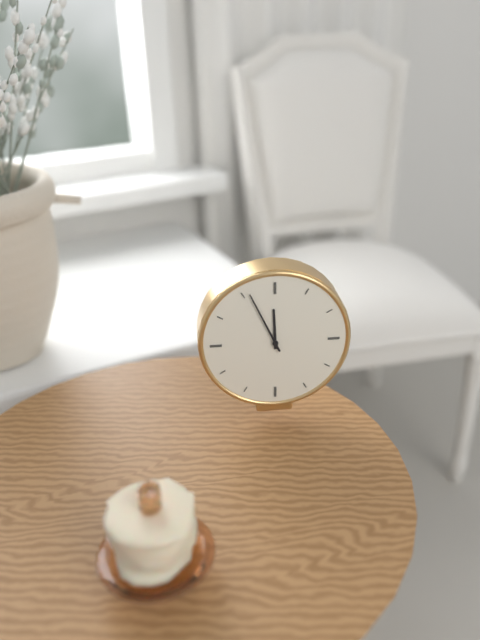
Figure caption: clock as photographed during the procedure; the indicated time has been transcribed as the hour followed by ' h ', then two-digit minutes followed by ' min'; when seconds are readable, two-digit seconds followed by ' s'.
11 h 56 min
